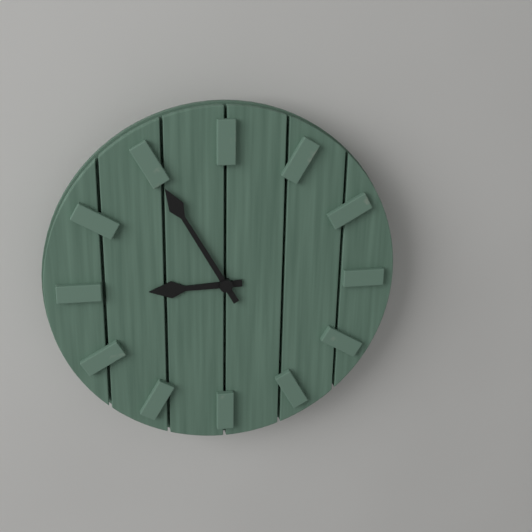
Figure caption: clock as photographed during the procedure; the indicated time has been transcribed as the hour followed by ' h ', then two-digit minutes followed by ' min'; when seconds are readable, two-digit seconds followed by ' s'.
8 h 55 min
